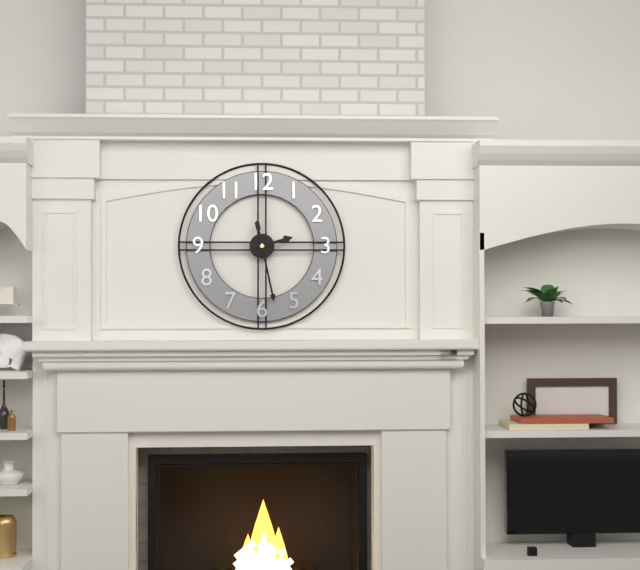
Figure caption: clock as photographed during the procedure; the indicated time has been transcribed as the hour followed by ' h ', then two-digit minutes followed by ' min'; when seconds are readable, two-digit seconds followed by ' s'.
2 h 28 min
